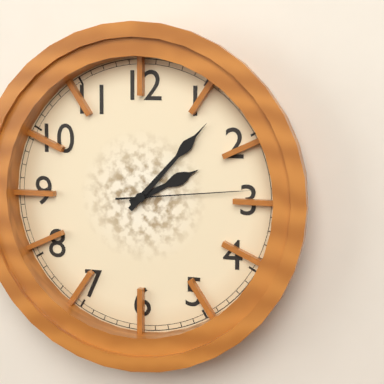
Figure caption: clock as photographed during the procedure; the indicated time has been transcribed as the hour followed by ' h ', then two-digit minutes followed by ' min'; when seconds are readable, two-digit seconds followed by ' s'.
2 h 07 min 14 s
